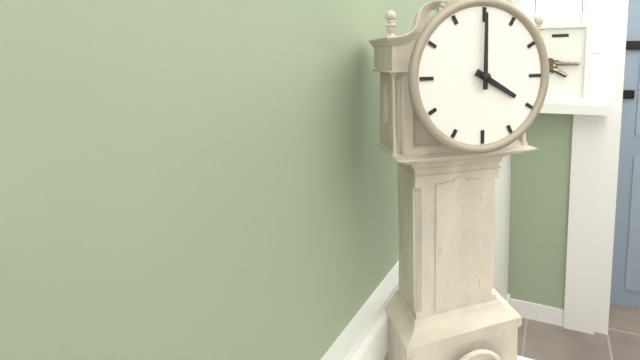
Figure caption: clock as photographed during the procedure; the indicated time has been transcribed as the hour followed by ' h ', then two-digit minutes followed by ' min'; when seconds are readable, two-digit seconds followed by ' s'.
4 h 00 min
